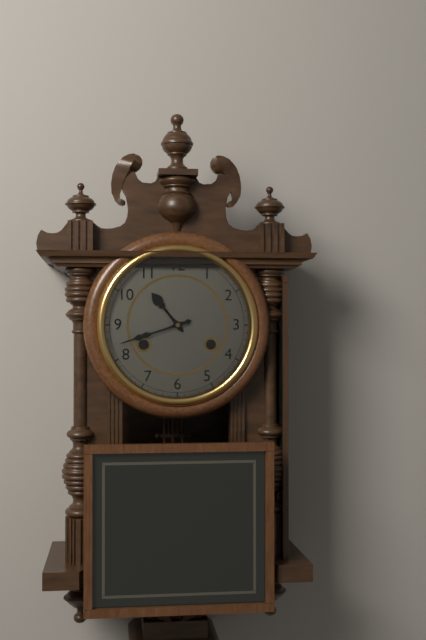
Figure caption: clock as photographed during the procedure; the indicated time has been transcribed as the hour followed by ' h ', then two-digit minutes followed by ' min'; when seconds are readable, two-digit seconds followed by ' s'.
10 h 42 min
